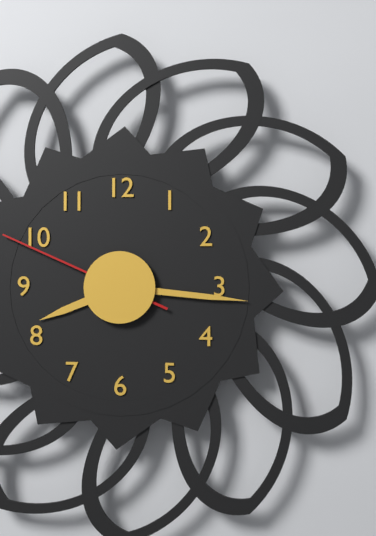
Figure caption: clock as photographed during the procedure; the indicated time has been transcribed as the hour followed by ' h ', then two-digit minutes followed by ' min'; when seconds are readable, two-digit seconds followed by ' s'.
8 h 16 min 49 s
